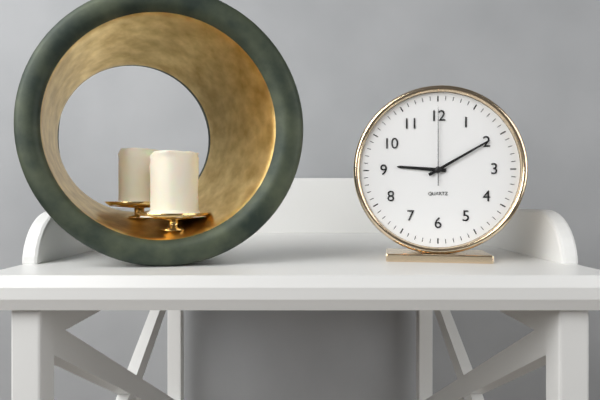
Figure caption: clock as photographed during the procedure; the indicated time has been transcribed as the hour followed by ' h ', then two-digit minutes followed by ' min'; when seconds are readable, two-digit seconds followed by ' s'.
9 h 10 min 00 s
